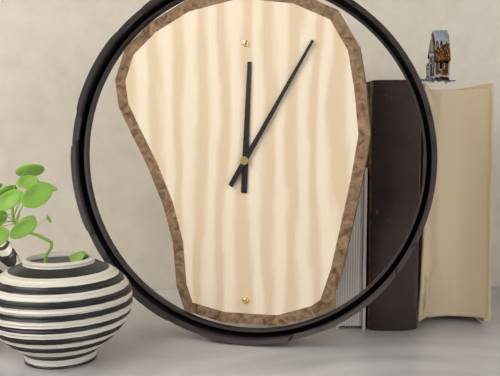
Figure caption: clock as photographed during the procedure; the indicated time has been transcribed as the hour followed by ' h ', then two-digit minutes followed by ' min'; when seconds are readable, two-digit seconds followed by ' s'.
12 h 05 min
